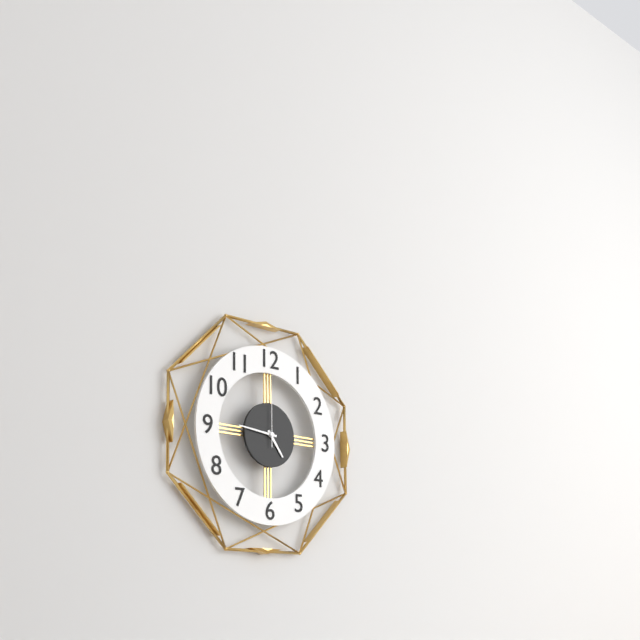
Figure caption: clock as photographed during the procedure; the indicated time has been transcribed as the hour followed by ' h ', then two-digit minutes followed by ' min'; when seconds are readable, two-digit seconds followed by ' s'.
4 h 46 min 00 s
